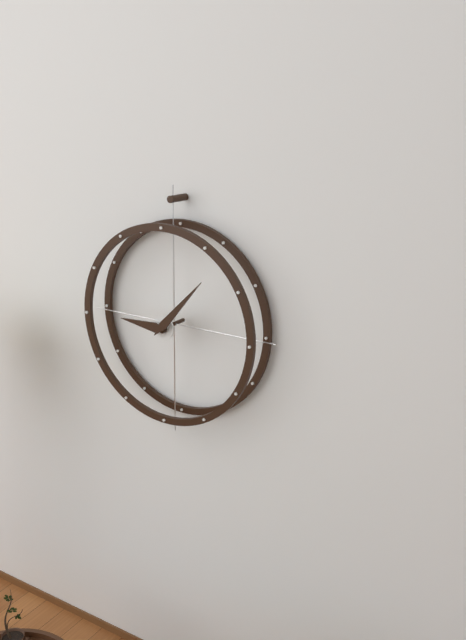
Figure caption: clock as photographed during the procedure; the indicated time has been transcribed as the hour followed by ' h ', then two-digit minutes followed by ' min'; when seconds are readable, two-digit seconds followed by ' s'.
9 h 07 min
